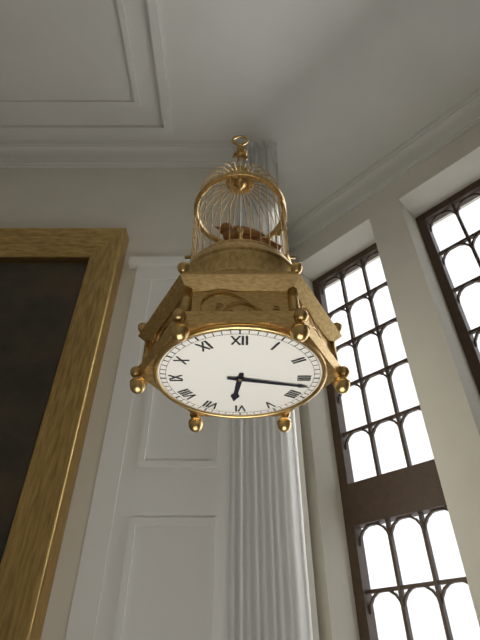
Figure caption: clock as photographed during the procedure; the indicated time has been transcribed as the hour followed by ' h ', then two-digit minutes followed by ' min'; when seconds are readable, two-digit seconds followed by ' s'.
6 h 17 min
